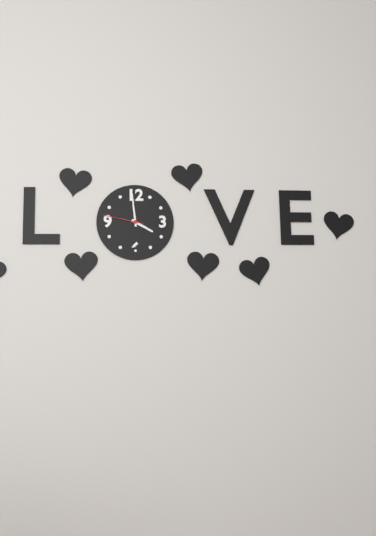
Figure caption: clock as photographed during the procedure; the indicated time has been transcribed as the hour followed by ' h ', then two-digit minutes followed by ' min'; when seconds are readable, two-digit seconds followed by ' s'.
3 h 59 min
